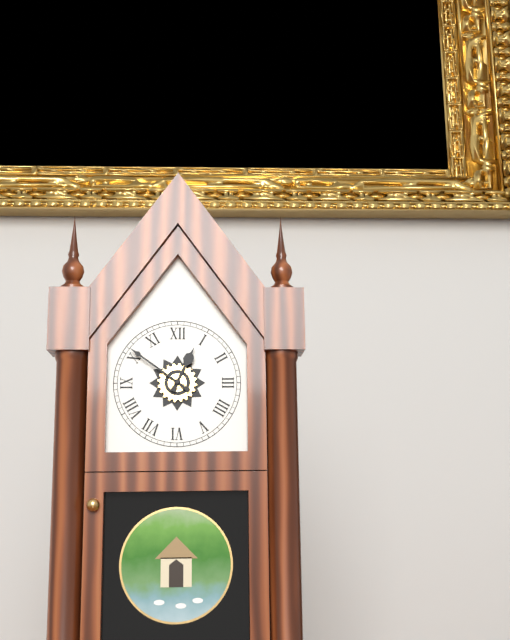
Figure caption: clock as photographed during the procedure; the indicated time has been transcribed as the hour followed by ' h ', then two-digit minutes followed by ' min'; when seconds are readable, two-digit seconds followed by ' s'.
12 h 51 min
